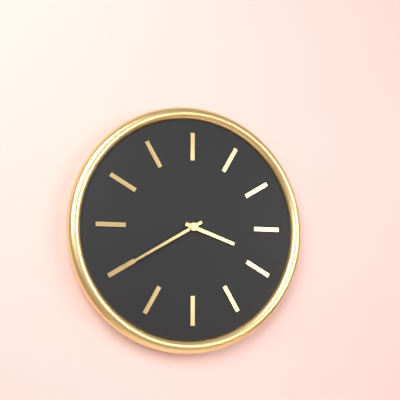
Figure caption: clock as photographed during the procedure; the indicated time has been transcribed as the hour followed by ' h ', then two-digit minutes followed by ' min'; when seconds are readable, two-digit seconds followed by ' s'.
3 h 40 min
